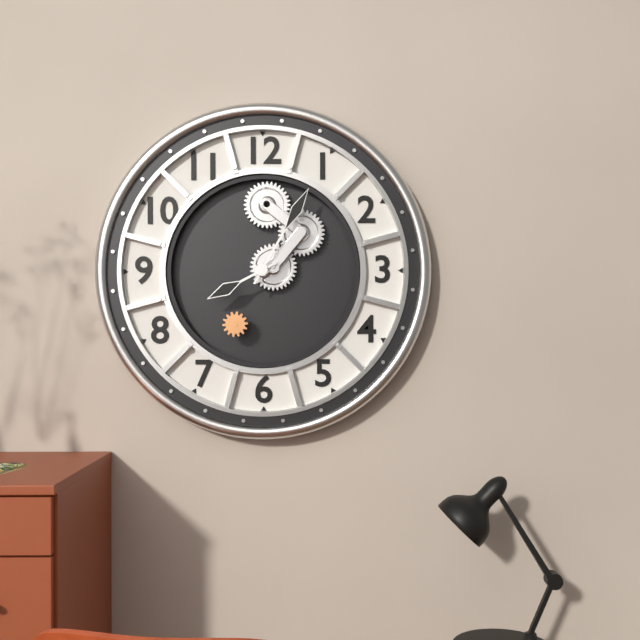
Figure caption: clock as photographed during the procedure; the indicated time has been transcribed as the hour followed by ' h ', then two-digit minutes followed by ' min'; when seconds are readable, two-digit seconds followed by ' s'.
8 h 05 min
